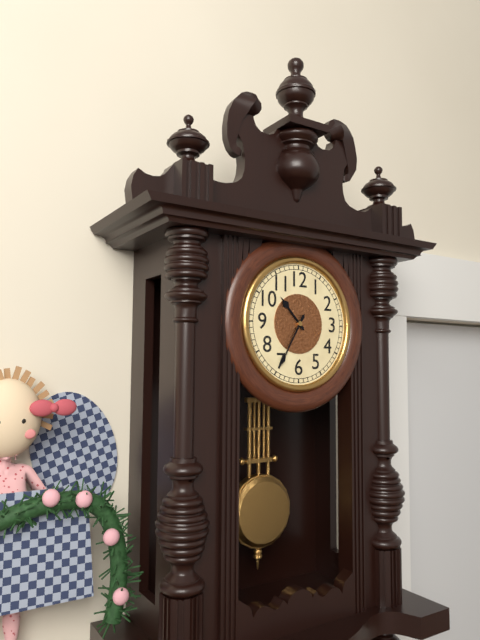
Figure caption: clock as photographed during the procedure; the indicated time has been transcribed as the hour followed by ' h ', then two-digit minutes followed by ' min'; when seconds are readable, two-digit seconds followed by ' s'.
10 h 35 min
